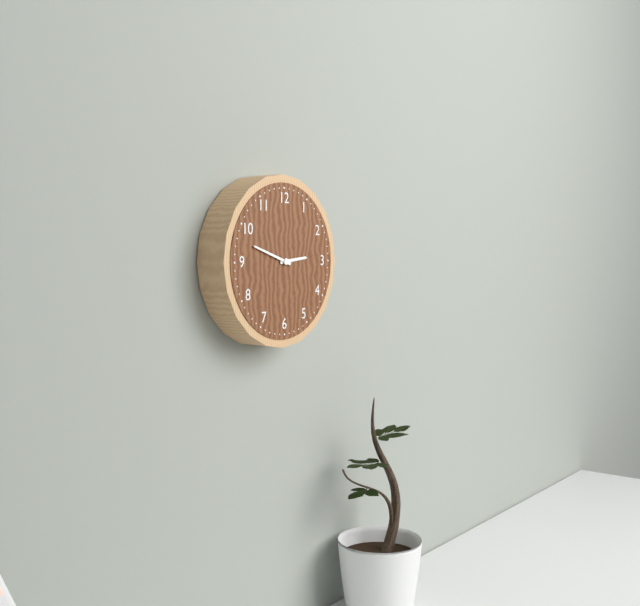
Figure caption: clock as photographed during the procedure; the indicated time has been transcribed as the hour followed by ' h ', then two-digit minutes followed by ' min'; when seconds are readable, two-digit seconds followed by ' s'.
2 h 48 min
